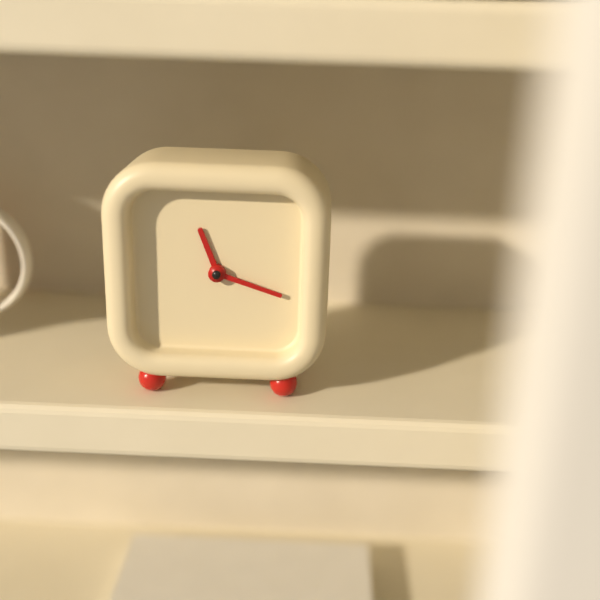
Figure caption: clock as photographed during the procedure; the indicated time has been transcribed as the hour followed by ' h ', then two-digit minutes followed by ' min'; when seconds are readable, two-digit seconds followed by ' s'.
11 h 18 min
